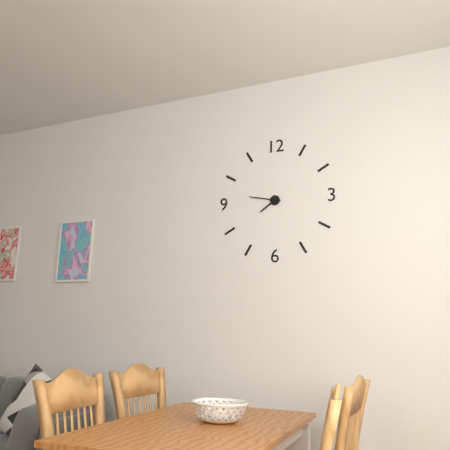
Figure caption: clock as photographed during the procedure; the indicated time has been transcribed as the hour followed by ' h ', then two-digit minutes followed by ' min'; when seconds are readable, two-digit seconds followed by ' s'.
7 h 47 min
